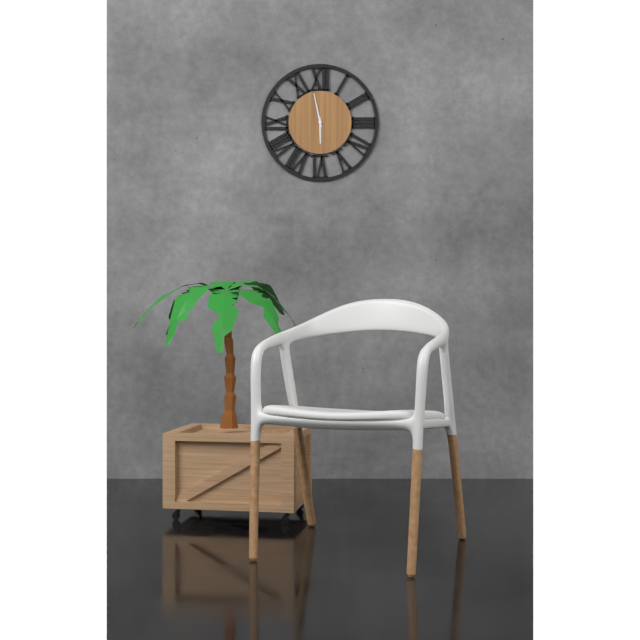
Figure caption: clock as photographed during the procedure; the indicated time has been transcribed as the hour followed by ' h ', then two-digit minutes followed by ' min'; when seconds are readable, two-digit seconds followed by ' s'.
5 h 58 min
